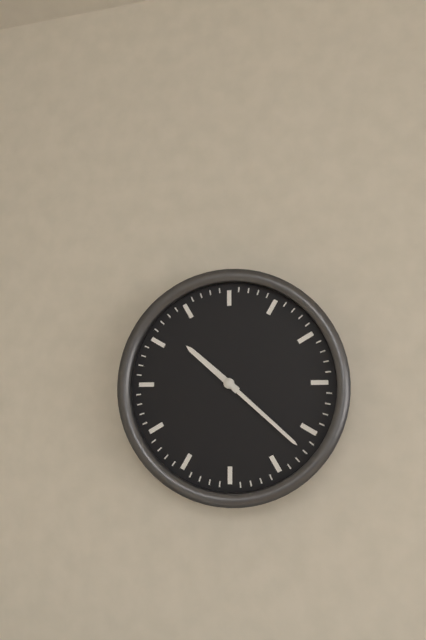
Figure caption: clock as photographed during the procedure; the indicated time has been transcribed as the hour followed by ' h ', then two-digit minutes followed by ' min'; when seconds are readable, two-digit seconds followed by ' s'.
10 h 22 min
